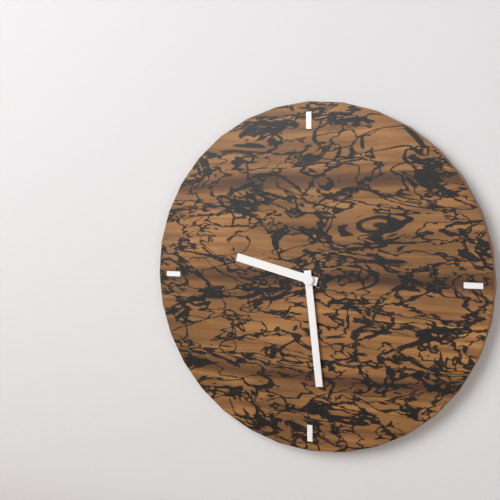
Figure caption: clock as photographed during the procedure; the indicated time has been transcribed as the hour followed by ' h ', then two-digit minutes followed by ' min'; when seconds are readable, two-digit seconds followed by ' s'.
9 h 29 min
